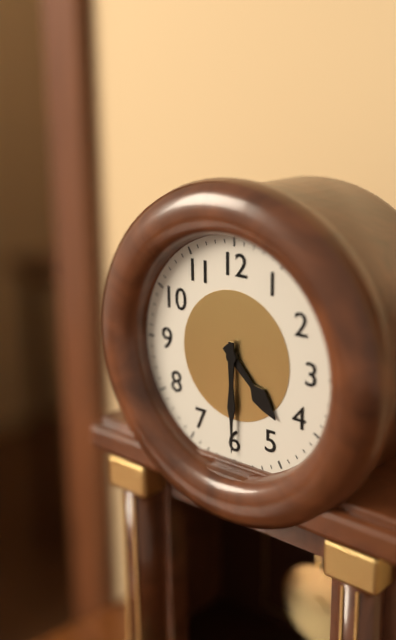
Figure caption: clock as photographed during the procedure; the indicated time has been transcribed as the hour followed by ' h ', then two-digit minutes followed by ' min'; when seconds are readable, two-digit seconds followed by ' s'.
4 h 30 min
